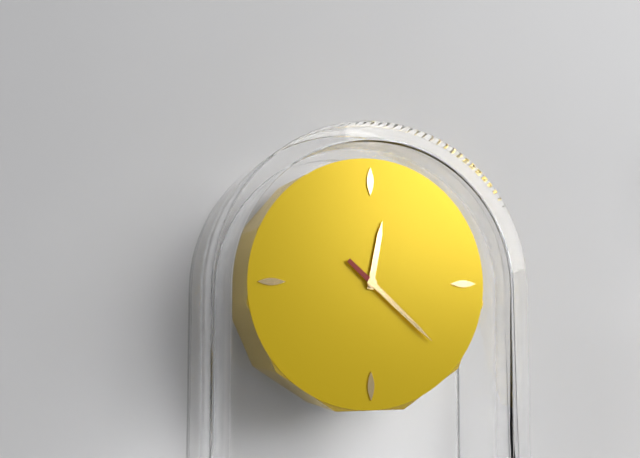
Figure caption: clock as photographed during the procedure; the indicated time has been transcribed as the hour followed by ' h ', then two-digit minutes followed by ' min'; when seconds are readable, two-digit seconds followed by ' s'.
12 h 22 min
